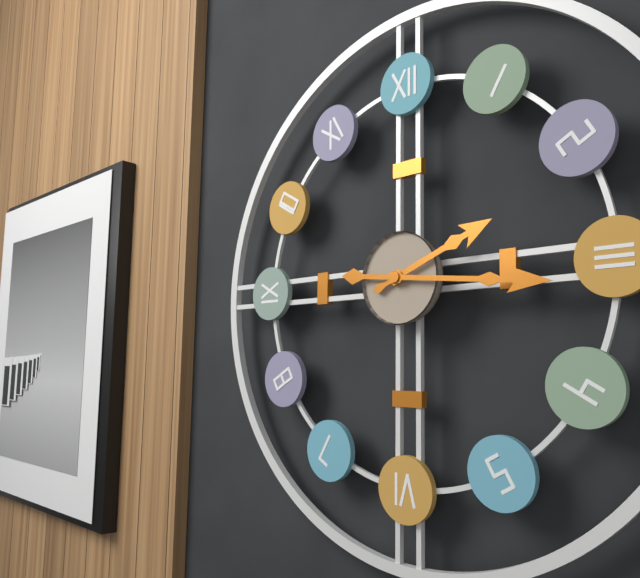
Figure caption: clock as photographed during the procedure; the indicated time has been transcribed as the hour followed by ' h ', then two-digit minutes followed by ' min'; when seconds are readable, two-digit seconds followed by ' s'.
2 h 16 min
